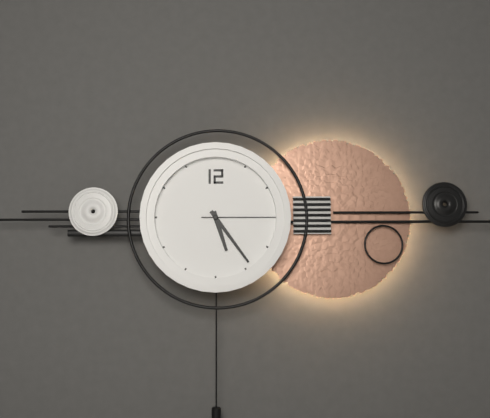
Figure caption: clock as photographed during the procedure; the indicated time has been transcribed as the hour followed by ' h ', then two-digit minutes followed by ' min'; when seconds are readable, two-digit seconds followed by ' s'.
5 h 24 min 15 s
